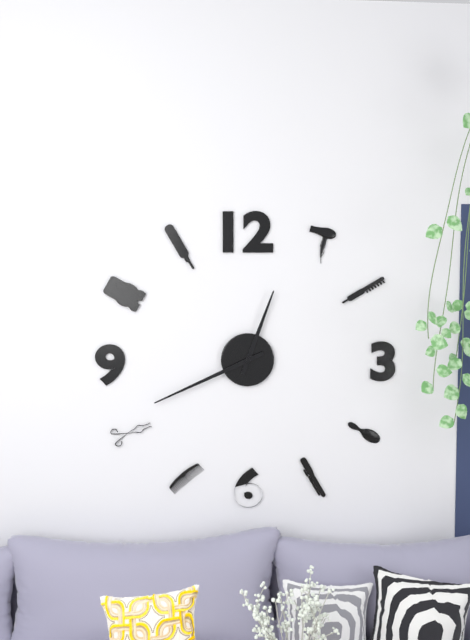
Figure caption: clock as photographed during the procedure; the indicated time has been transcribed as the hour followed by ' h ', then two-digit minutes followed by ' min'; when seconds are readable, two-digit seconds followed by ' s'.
12 h 41 min
